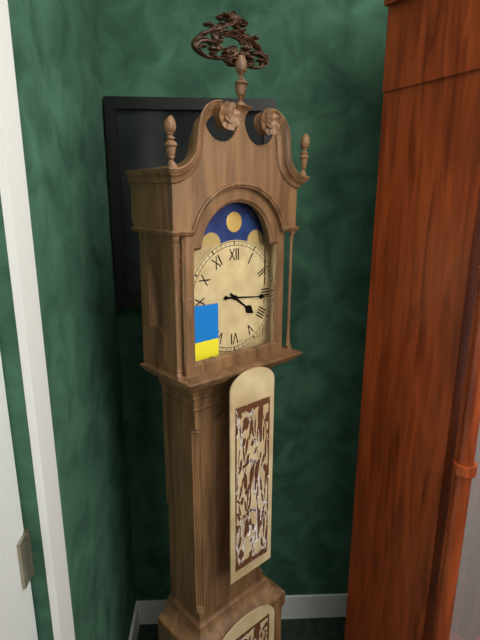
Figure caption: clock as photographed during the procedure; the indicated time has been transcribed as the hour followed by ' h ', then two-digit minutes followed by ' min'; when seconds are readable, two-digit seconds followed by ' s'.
4 h 16 min
